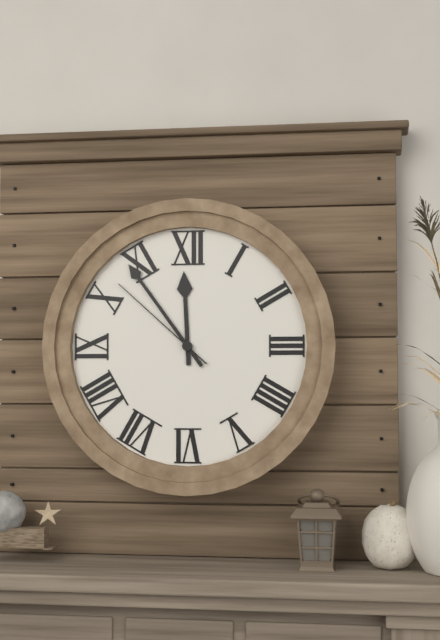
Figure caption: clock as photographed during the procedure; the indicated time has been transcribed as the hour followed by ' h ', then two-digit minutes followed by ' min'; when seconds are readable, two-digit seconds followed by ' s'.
11 h 54 min 52 s
